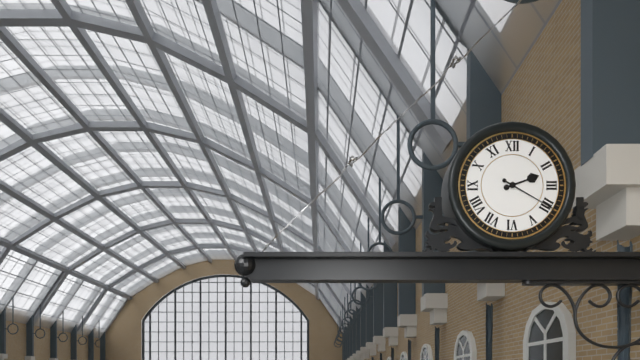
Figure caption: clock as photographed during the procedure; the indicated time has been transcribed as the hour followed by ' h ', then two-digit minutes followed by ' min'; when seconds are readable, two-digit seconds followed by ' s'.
2 h 20 min
